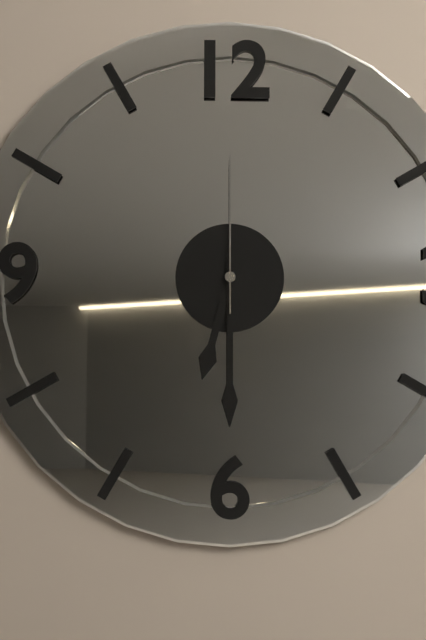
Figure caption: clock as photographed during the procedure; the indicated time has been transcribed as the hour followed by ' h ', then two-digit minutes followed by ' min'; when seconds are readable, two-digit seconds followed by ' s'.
6 h 30 min 00 s
